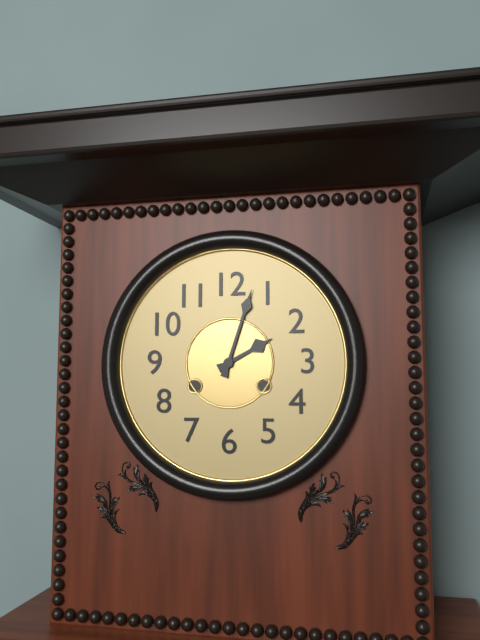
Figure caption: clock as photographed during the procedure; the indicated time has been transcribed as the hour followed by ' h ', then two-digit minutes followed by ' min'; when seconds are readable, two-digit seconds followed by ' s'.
2 h 03 min
